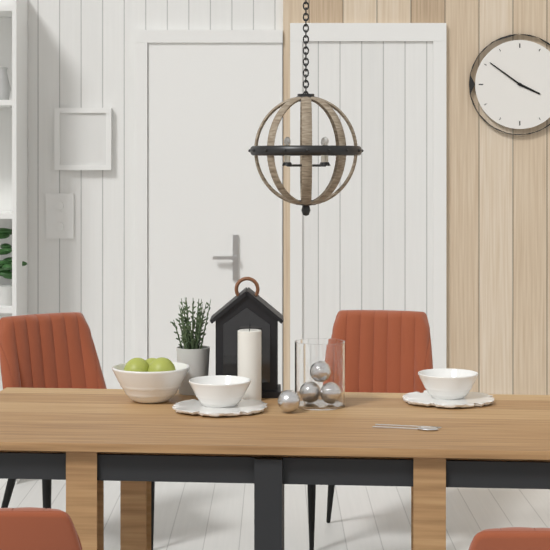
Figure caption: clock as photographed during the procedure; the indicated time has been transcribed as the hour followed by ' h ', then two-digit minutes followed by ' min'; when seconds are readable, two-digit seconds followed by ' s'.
3 h 51 min
